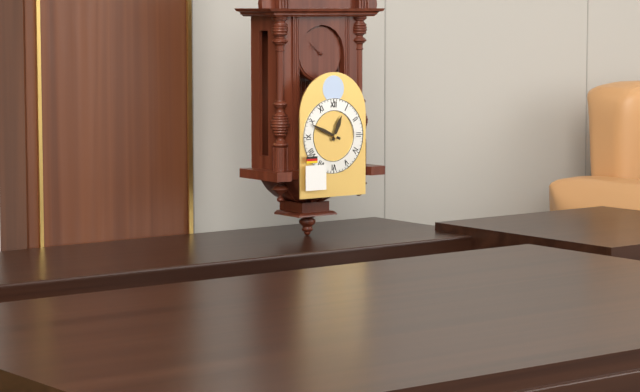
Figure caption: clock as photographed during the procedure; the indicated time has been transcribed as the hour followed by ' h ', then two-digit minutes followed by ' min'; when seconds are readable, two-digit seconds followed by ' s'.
12 h 49 min
